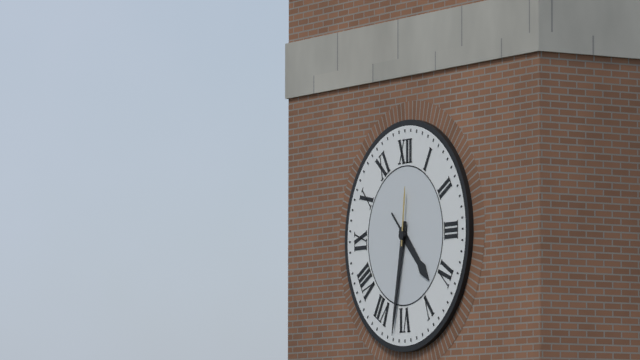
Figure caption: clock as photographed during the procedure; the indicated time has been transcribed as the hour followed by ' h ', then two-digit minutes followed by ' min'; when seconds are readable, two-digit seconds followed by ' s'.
4 h 32 min 01 s
